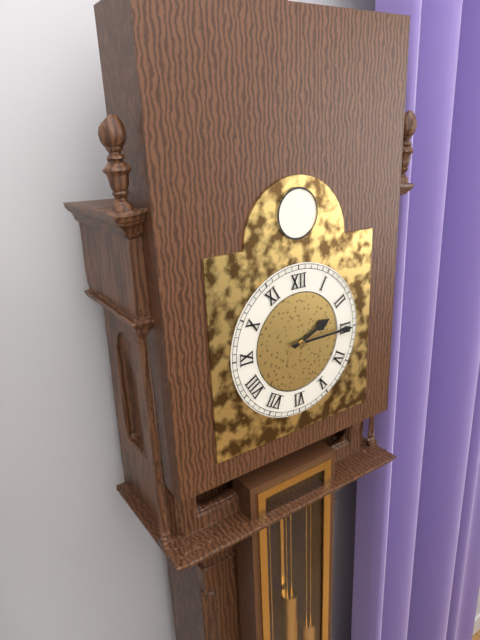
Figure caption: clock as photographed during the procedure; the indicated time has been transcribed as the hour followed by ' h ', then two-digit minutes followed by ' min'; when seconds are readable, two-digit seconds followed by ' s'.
2 h 15 min
